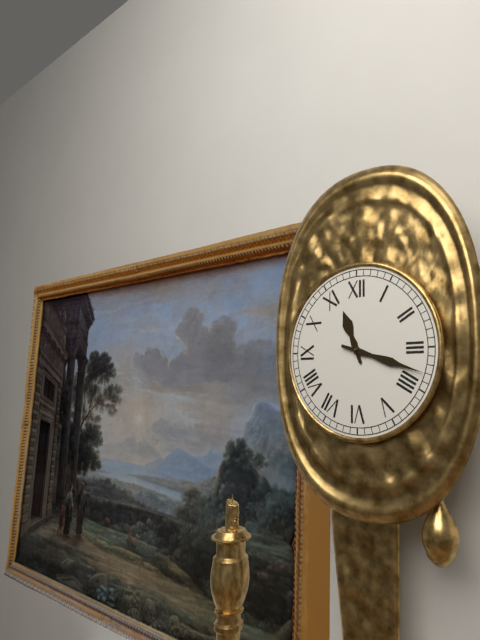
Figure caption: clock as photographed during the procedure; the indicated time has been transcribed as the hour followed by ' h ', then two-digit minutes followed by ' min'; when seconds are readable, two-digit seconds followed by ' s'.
11 h 18 min
